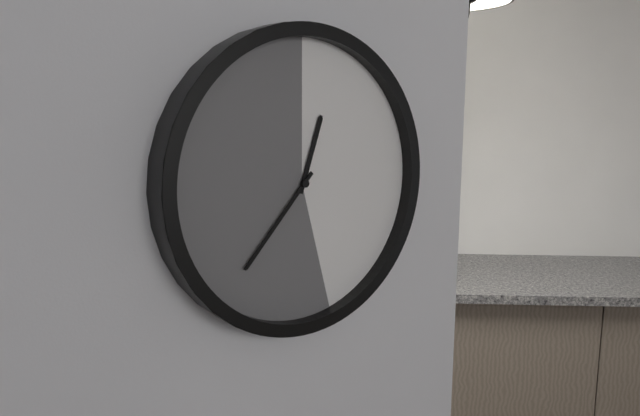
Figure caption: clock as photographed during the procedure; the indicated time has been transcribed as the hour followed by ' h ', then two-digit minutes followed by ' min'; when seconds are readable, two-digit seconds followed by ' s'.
12 h 37 min
